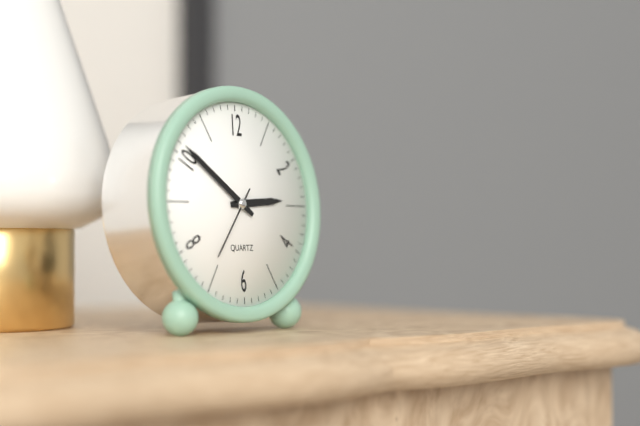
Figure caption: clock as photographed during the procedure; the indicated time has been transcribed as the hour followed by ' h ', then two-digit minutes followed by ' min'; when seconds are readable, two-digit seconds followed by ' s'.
2 h 51 min 36 s
